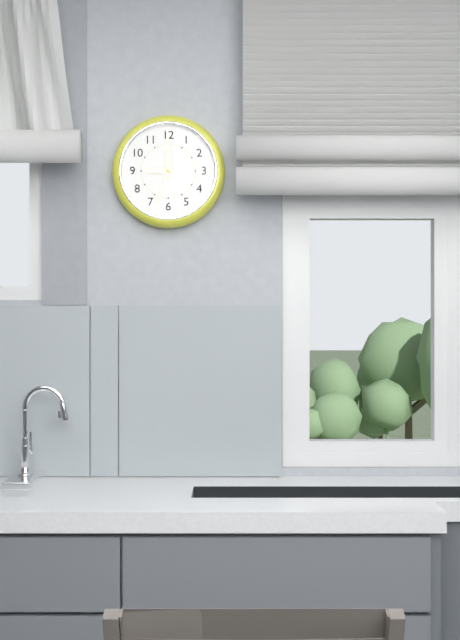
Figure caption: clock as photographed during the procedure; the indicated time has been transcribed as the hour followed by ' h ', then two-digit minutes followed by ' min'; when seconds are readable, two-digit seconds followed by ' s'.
9 h 00 min
